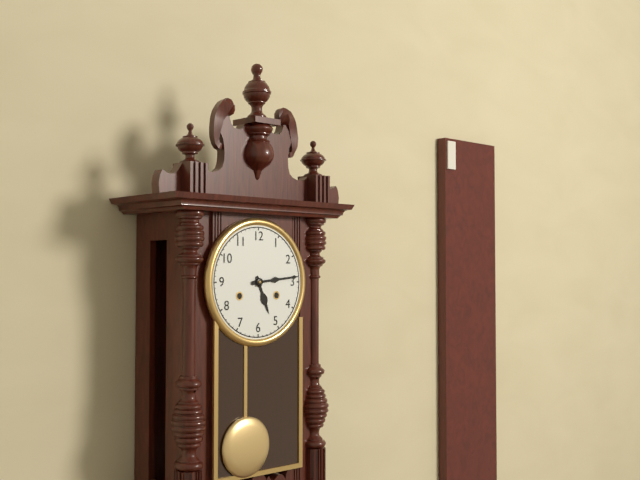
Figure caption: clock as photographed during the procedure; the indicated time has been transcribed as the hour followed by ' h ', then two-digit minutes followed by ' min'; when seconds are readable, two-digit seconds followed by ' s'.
5 h 14 min
